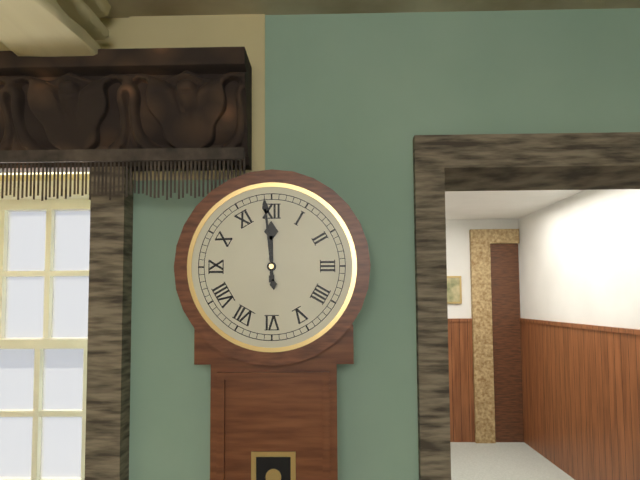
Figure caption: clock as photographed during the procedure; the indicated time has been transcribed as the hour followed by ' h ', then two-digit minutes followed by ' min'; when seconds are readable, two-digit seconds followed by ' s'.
11 h 59 min
